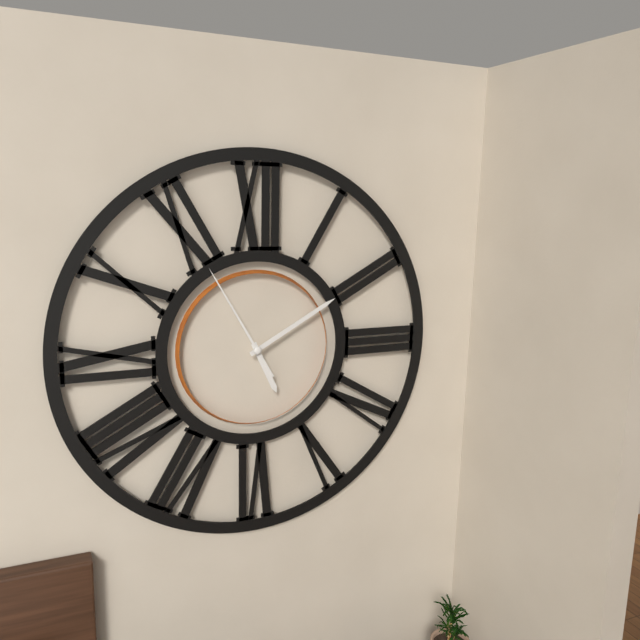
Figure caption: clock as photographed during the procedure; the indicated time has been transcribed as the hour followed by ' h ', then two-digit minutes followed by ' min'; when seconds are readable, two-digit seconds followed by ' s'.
5 h 10 min 55 s
